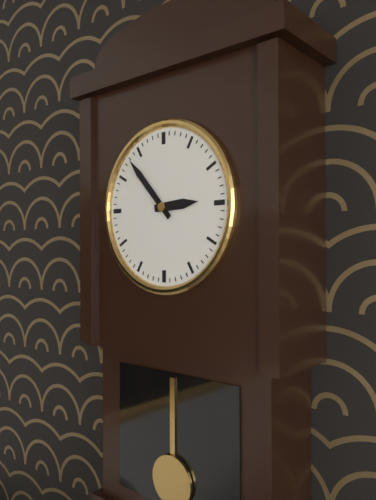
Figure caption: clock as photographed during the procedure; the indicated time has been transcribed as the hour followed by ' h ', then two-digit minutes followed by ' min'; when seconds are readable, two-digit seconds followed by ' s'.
2 h 53 min
